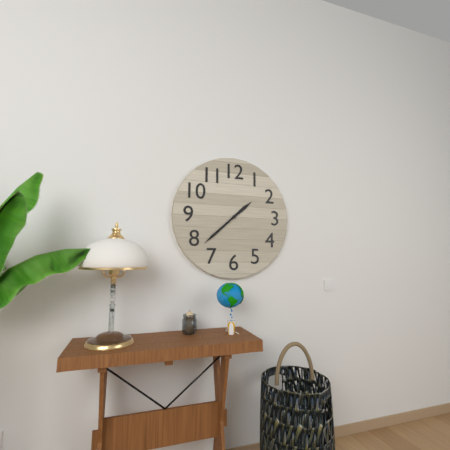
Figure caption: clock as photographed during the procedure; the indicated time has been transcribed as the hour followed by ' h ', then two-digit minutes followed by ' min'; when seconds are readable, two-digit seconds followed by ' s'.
1 h 38 min
